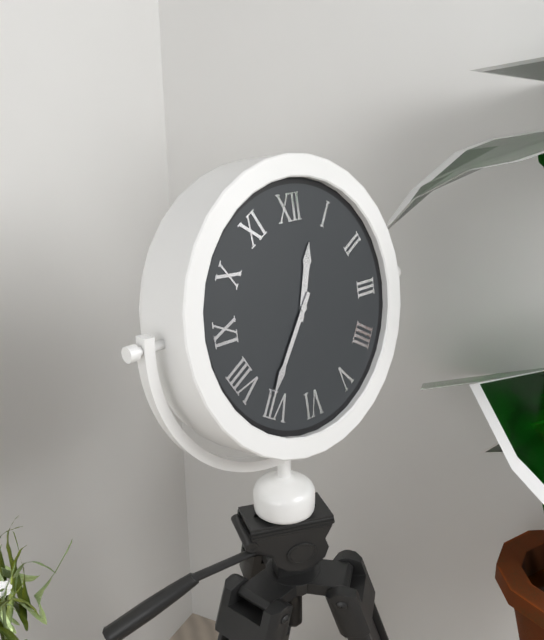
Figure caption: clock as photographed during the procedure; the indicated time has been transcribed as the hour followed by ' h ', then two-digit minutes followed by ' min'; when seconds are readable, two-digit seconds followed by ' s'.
12 h 36 min
